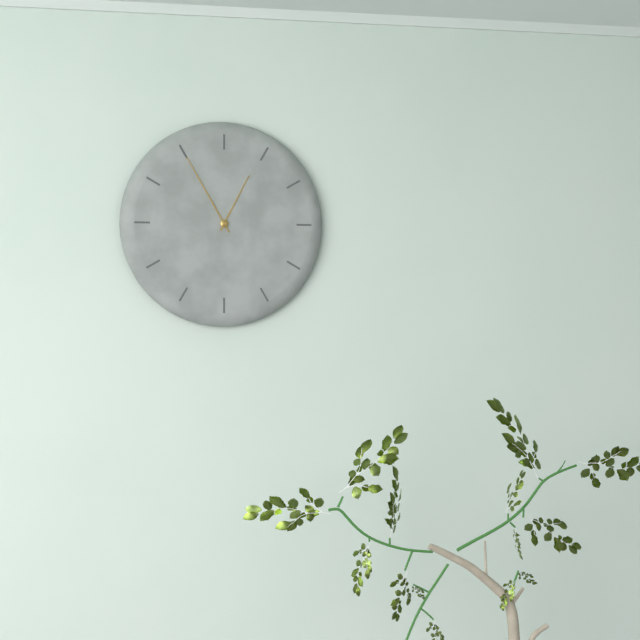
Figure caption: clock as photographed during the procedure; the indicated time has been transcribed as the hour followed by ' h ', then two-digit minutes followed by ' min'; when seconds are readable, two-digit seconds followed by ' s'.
12 h 55 min
